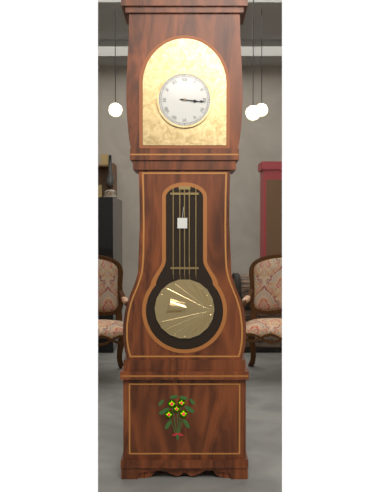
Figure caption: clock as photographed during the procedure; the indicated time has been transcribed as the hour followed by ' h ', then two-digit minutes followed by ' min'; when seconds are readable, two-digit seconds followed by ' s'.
3 h 16 min
